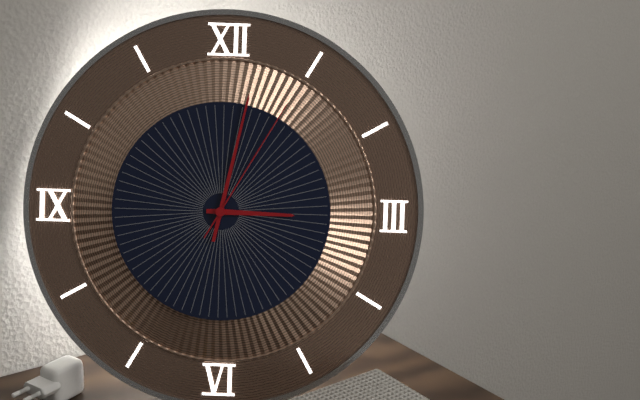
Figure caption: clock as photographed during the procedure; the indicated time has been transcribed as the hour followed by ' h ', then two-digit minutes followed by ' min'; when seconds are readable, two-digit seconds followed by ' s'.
3 h 02 min 05 s
